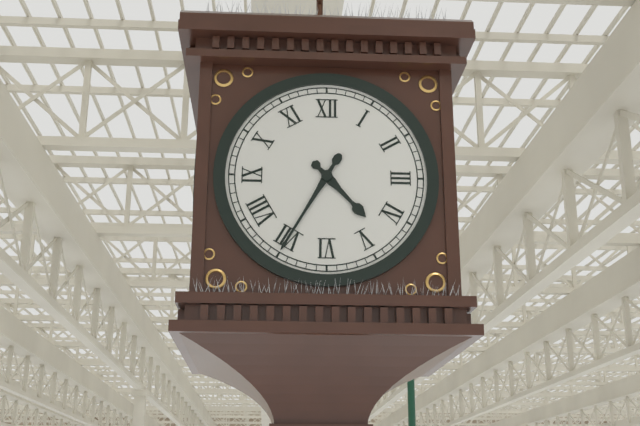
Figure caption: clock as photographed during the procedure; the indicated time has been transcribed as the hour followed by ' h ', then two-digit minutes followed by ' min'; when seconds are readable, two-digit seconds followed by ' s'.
4 h 35 min
